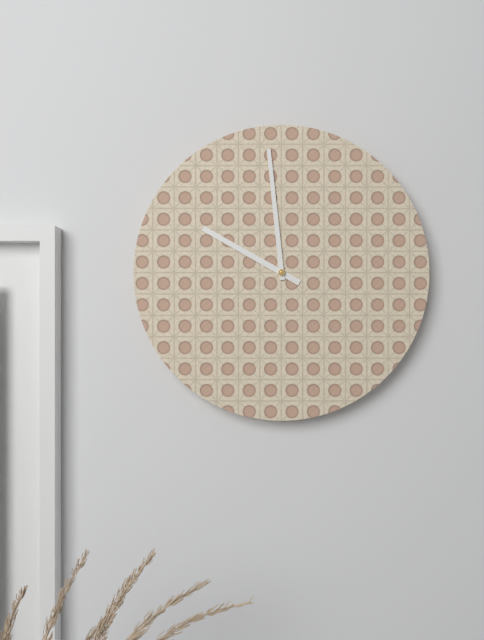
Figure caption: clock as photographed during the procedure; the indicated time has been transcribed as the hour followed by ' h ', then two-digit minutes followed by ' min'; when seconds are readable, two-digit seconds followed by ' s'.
9 h 59 min
